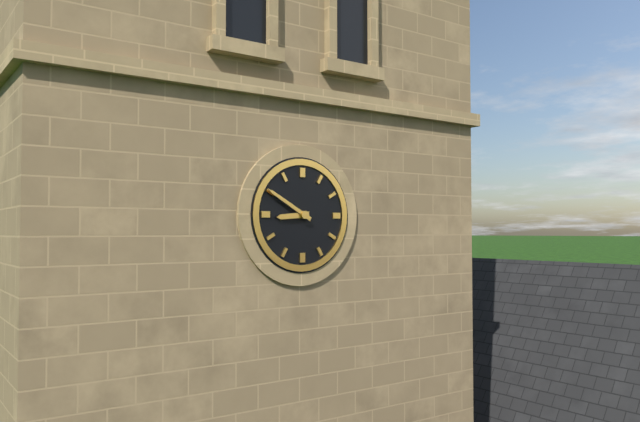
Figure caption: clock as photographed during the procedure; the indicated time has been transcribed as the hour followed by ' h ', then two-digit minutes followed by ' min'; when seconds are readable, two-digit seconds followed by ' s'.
8 h 50 min
